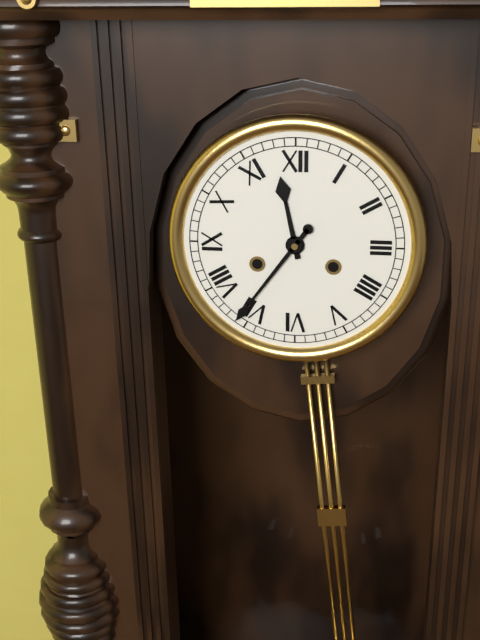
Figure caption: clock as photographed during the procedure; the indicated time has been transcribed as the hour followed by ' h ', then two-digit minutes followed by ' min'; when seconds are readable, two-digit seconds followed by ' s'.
11 h 36 min
